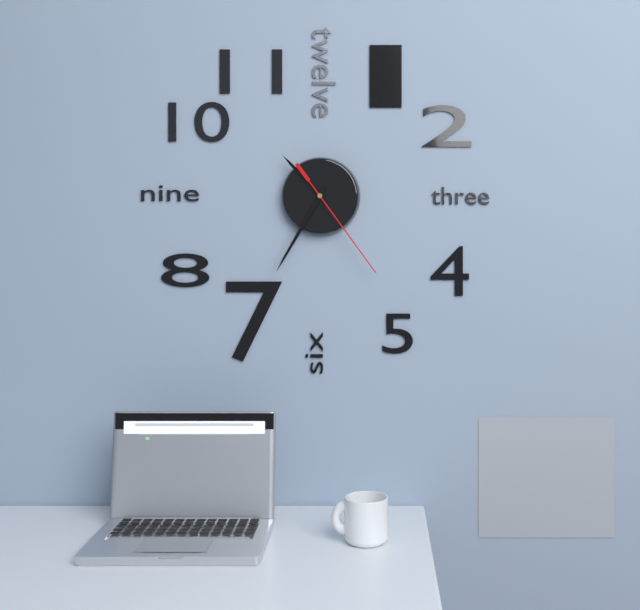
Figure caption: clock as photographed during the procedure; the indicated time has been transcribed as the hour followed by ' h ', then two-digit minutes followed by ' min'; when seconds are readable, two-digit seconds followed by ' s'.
10 h 35 min 24 s
